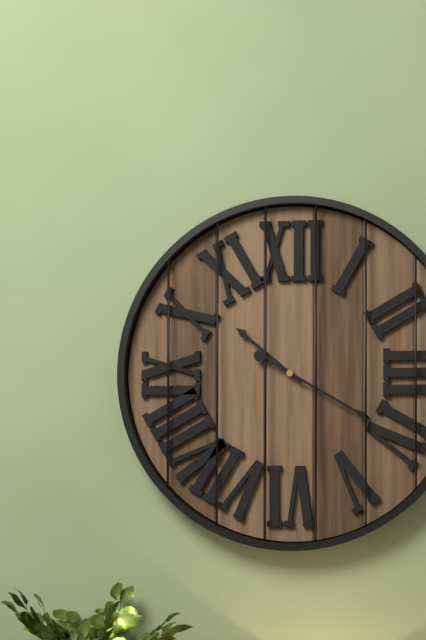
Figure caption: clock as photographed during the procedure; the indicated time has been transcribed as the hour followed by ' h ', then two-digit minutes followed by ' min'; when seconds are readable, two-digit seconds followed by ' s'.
10 h 20 min
